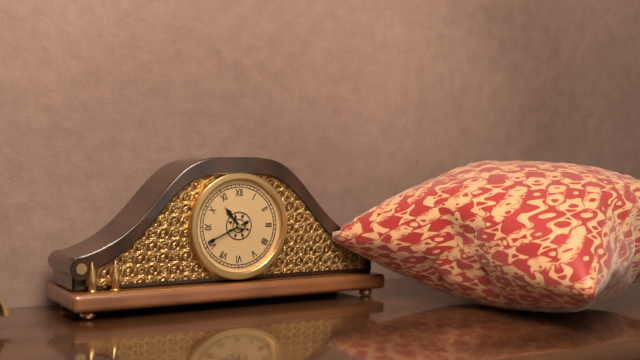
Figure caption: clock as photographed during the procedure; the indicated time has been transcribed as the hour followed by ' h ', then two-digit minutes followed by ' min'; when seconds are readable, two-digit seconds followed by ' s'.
10 h 41 min
